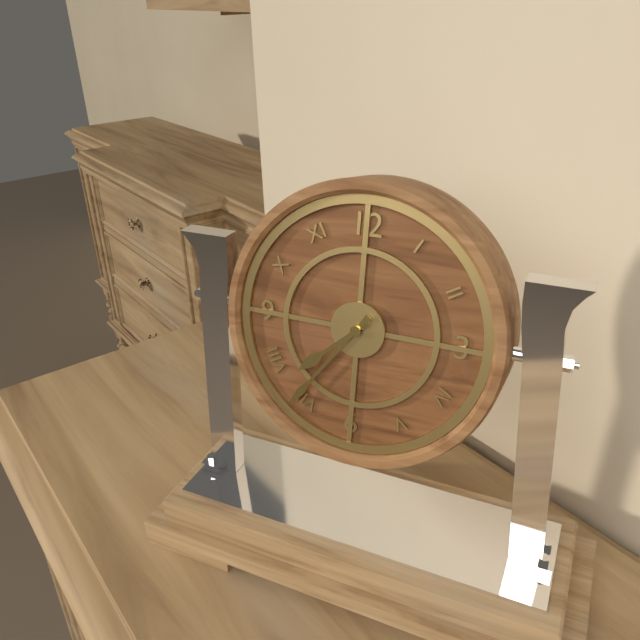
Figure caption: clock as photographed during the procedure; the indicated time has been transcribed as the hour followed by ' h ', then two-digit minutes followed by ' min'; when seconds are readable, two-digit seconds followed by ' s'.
7 h 36 min
